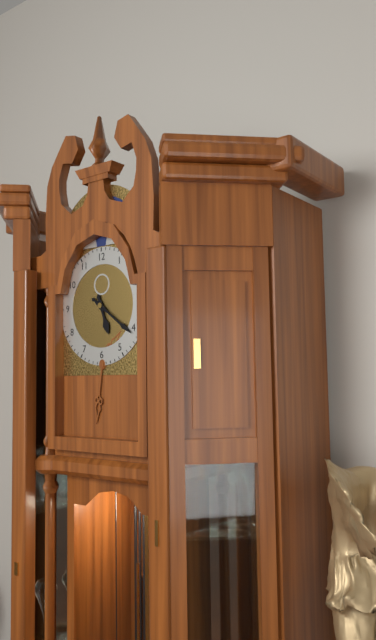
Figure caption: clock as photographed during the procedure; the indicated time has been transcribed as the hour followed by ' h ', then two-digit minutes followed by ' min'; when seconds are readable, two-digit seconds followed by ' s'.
5 h 21 min
